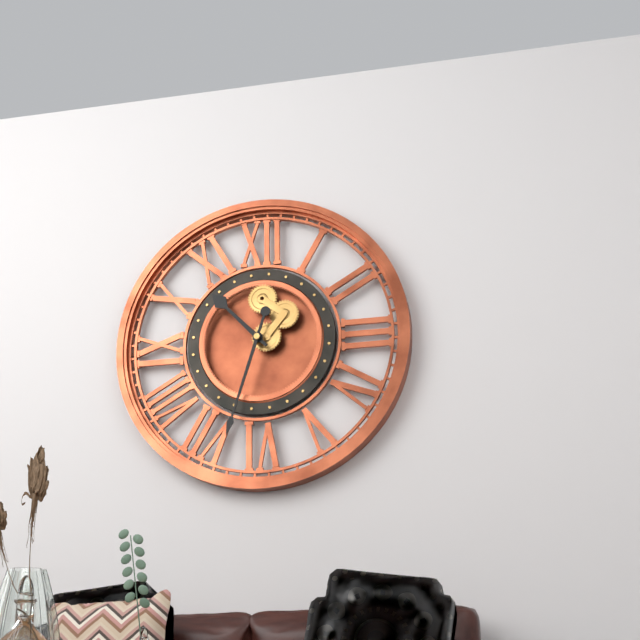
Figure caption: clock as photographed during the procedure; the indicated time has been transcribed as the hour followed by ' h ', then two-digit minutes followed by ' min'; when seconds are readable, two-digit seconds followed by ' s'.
10 h 33 min
